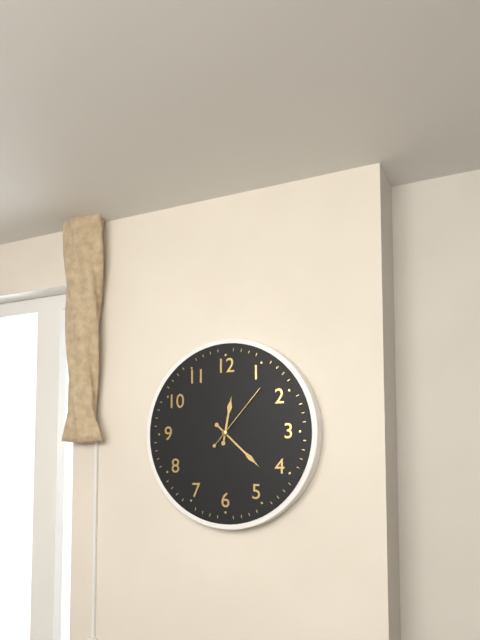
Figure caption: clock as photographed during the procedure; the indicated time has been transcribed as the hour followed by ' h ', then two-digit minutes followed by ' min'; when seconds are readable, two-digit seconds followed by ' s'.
12 h 22 min 07 s
